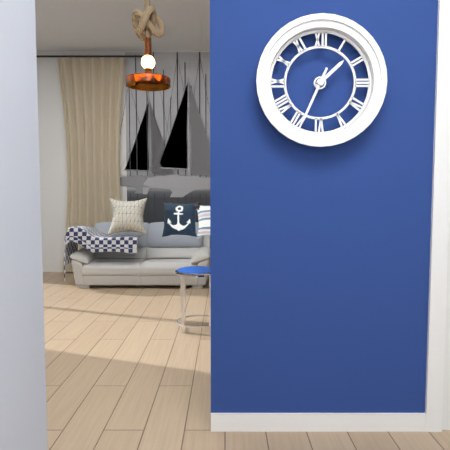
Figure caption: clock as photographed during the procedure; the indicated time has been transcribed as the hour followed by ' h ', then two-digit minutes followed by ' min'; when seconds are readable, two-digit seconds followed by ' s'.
1 h 34 min
